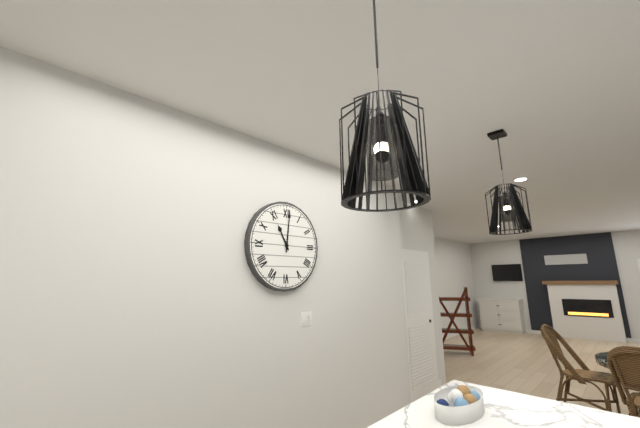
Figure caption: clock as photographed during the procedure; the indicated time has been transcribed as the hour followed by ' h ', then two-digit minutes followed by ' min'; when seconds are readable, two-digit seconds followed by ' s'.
11 h 01 min
